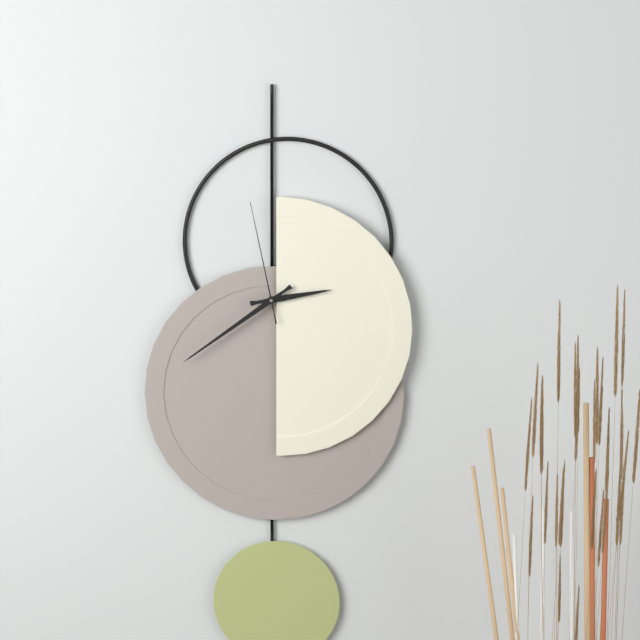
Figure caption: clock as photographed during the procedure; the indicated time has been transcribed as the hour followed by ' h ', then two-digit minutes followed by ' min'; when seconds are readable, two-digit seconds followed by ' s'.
2 h 39 min 58 s
